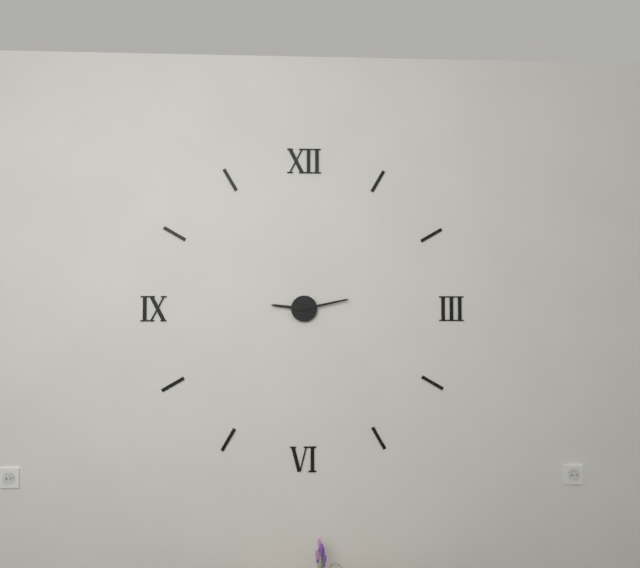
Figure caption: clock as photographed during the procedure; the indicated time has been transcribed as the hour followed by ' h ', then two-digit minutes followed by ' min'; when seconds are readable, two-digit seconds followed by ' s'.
9 h 13 min
